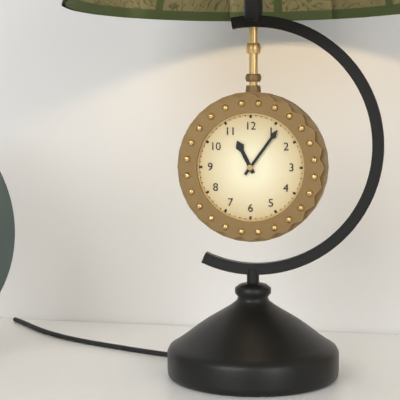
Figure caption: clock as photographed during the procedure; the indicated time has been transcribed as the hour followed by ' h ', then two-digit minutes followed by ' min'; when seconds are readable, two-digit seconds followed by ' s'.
11 h 06 min
